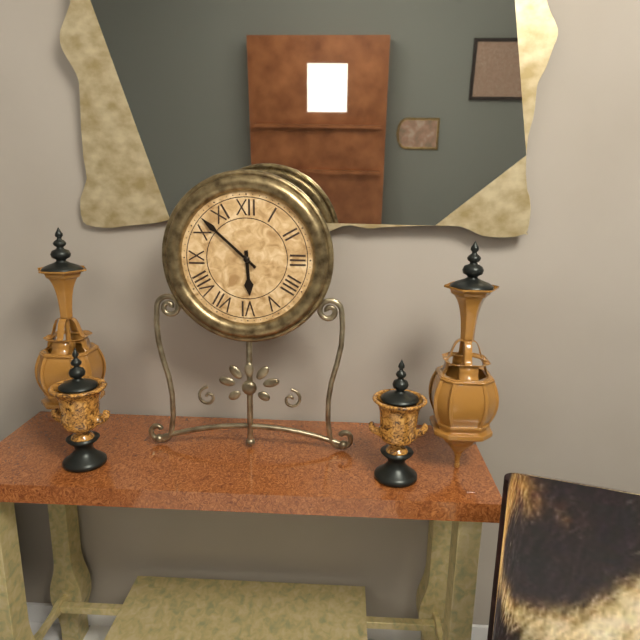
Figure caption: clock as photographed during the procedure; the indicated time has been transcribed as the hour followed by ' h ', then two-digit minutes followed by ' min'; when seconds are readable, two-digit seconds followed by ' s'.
5 h 52 min
